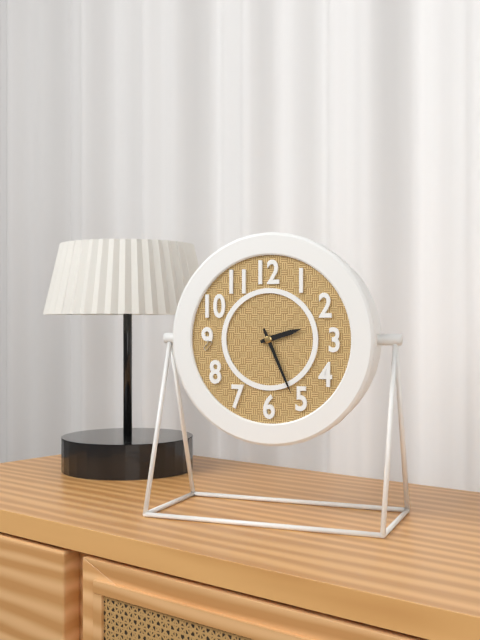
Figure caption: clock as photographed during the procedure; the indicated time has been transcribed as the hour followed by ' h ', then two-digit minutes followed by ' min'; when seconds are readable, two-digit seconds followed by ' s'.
2 h 26 min
